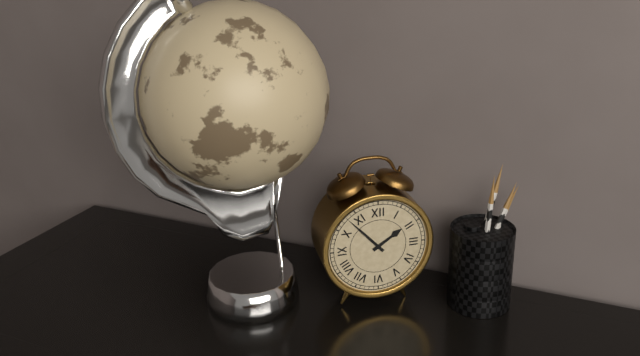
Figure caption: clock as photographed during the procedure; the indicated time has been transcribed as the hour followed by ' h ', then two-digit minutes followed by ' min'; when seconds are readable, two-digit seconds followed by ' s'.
1 h 53 min
